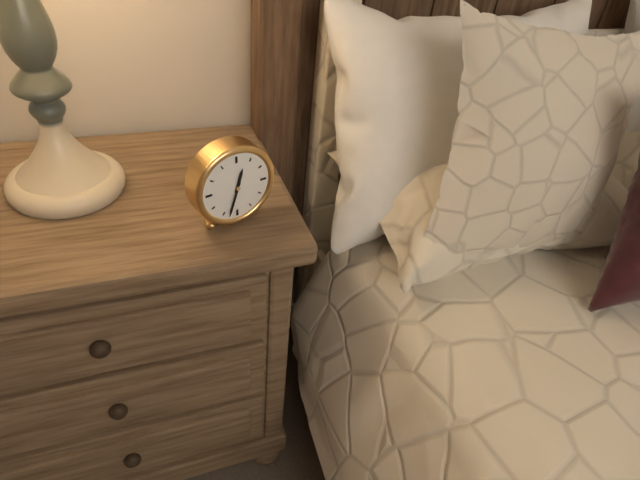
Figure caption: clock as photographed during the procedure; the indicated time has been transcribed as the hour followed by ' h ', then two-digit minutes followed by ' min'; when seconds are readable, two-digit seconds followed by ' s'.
12 h 33 min
